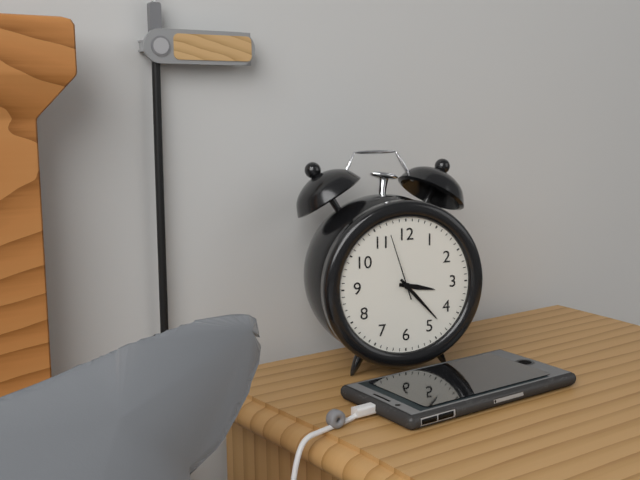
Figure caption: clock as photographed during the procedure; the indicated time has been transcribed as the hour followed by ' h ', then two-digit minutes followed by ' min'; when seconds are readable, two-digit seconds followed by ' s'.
3 h 23 min 57 s
